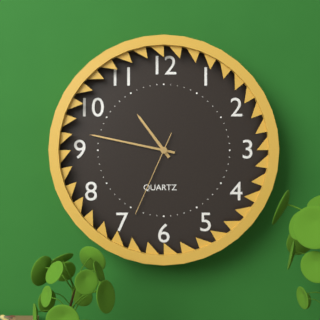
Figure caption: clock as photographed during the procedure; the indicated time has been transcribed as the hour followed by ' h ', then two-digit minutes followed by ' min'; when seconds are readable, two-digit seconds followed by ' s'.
10 h 47 min 34 s
